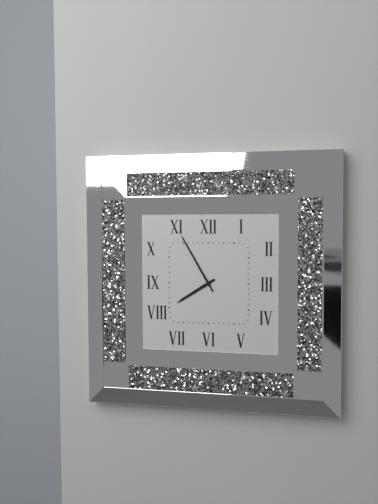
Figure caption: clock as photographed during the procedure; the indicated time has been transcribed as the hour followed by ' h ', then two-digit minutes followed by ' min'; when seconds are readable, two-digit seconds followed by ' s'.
7 h 55 min
